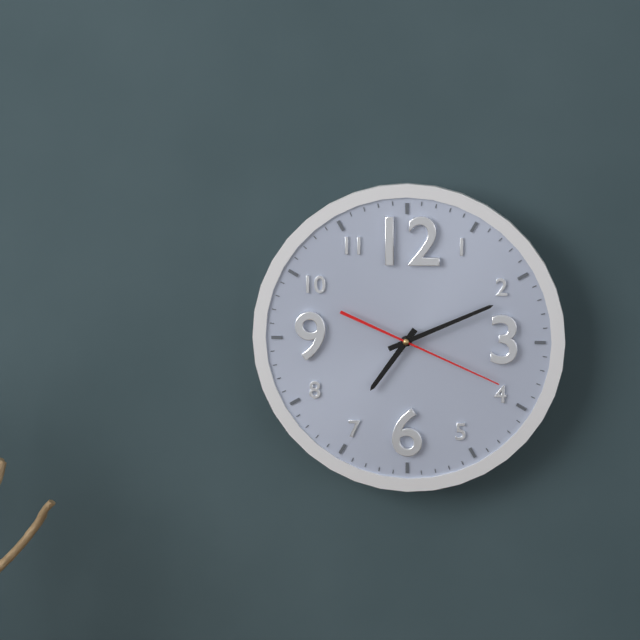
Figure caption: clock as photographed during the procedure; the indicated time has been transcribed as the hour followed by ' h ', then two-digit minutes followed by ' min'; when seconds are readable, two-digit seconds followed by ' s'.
7 h 11 min 19 s
